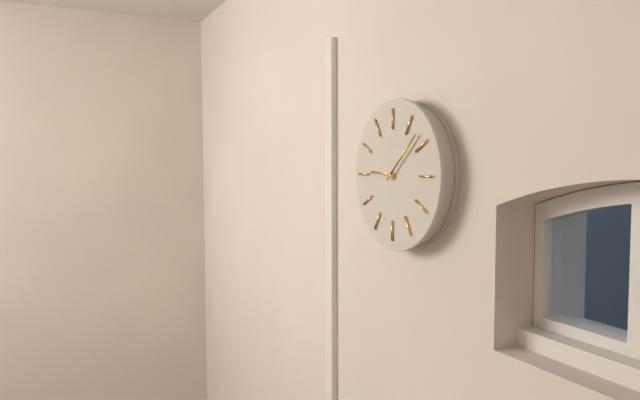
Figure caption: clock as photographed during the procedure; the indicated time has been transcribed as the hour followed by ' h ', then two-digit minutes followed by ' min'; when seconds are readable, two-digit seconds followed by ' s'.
9 h 08 min
